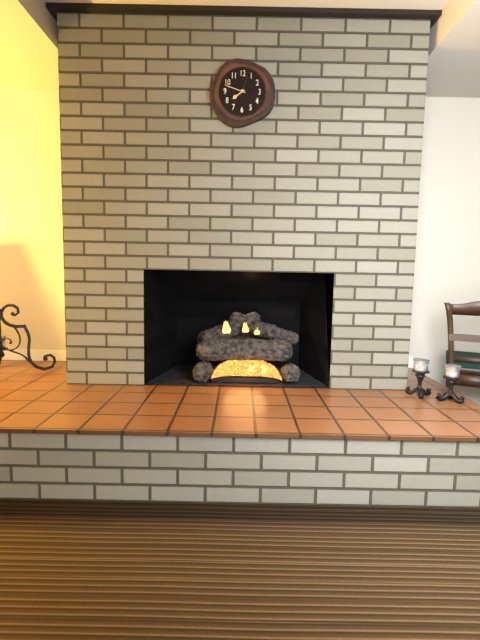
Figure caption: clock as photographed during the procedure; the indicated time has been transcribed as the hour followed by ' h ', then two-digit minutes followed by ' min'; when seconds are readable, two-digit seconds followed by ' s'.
7 h 48 min
